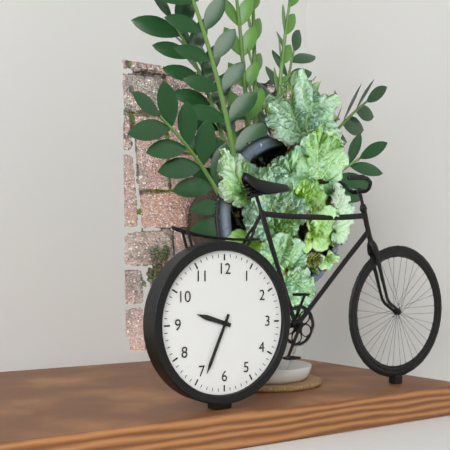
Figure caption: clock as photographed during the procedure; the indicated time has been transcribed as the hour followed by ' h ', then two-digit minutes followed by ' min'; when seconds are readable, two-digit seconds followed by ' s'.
9 h 34 min
